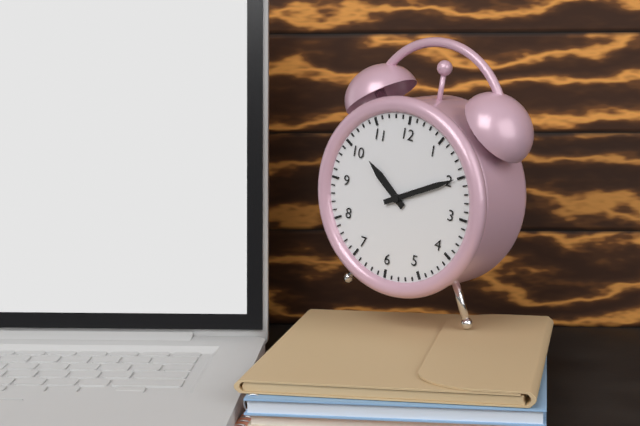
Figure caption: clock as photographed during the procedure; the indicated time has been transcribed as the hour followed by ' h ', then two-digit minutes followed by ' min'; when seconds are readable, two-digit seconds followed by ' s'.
10 h 10 min
